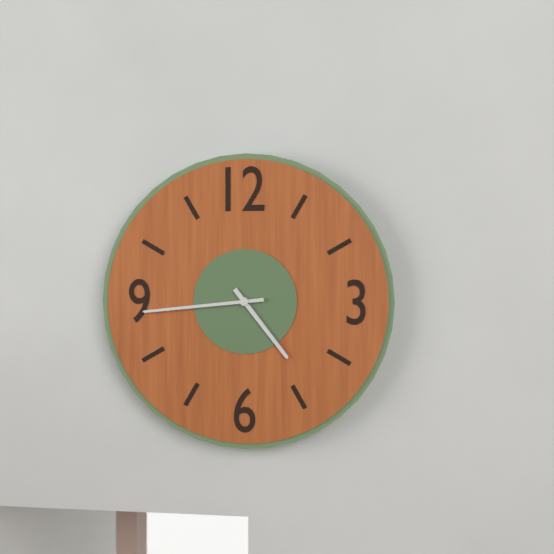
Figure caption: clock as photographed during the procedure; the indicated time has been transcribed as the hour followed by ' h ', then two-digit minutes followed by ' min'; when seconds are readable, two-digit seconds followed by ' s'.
4 h 44 min
